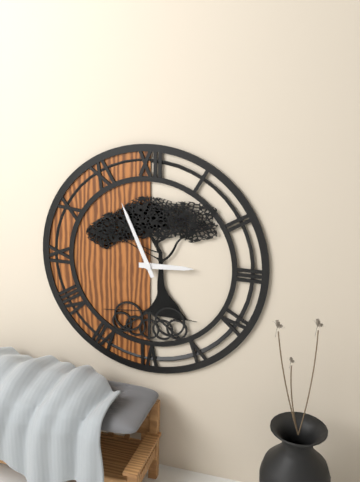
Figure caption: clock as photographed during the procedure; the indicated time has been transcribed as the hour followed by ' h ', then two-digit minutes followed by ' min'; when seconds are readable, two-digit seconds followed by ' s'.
2 h 56 min
